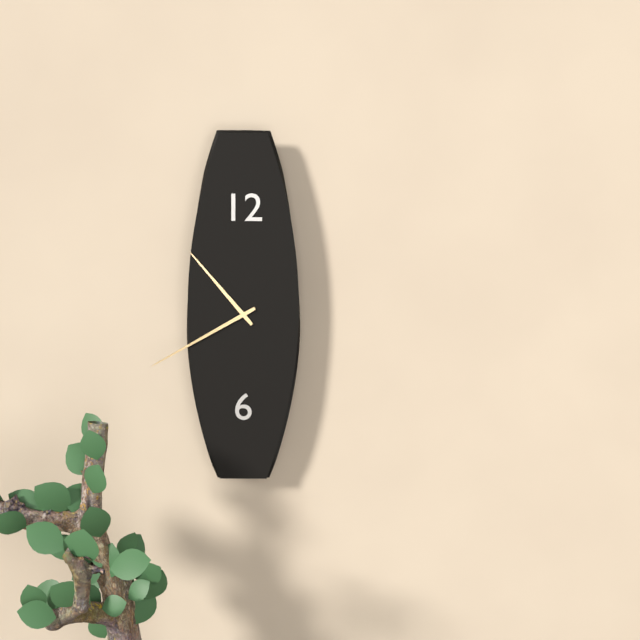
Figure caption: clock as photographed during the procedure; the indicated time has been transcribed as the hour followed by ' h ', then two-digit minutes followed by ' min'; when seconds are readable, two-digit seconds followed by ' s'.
10 h 40 min
